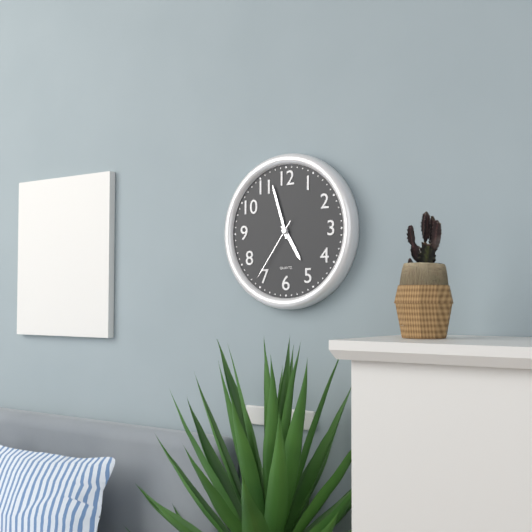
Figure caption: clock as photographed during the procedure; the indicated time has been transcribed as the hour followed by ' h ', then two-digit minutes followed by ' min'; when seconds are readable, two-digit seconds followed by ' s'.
4 h 57 min 36 s
